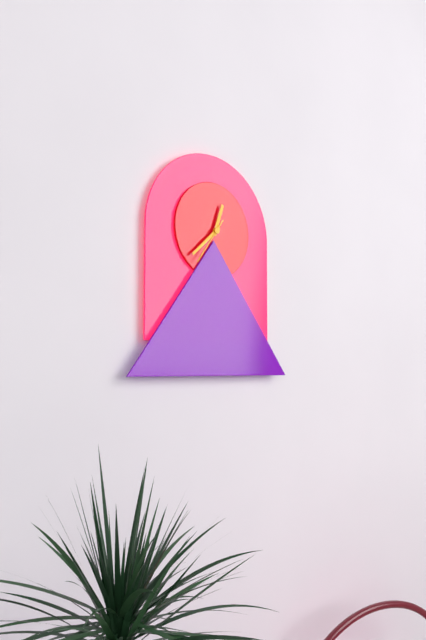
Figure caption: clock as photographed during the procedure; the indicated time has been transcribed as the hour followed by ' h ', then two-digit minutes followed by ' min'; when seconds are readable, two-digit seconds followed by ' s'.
12 h 38 min
